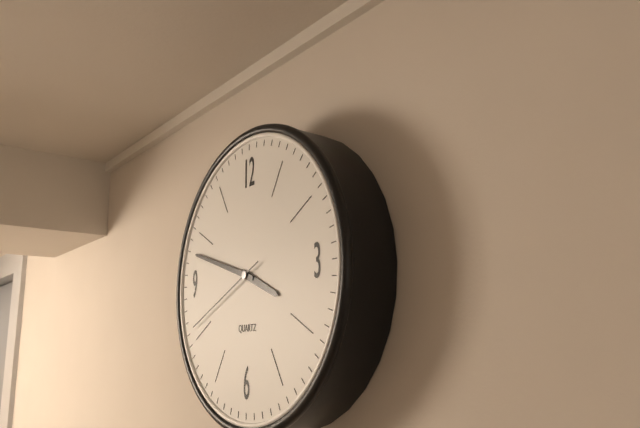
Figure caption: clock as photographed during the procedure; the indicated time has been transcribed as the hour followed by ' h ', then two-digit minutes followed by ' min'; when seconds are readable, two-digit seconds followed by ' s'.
3 h 48 min 41 s
